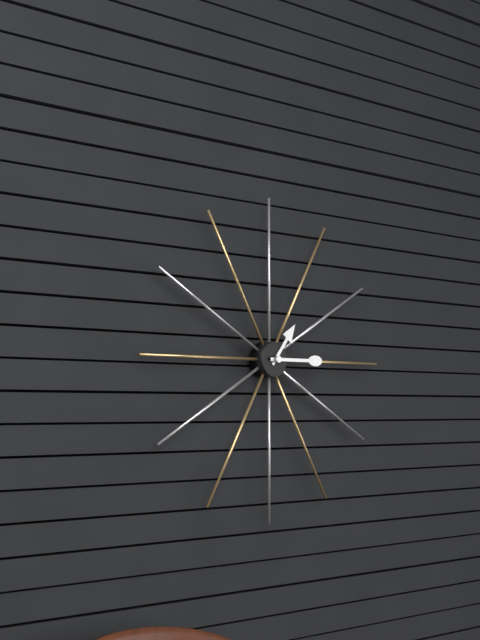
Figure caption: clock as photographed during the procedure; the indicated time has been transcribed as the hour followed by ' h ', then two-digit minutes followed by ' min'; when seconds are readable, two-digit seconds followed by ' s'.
1 h 15 min
